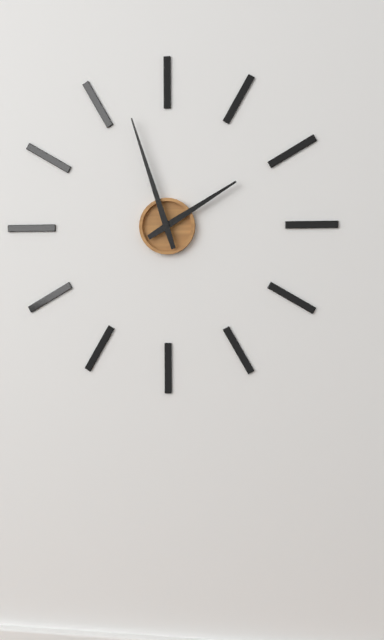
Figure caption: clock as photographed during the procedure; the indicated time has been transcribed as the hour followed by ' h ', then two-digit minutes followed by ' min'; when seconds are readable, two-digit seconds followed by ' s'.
1 h 57 min
